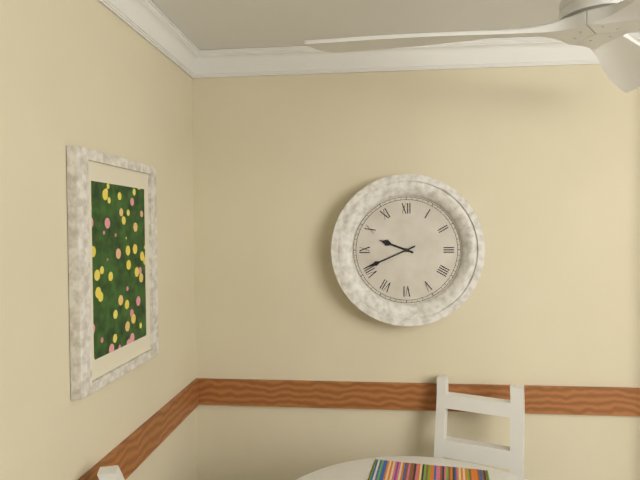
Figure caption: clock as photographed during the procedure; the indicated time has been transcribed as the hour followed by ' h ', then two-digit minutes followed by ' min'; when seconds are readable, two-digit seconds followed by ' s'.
9 h 41 min
